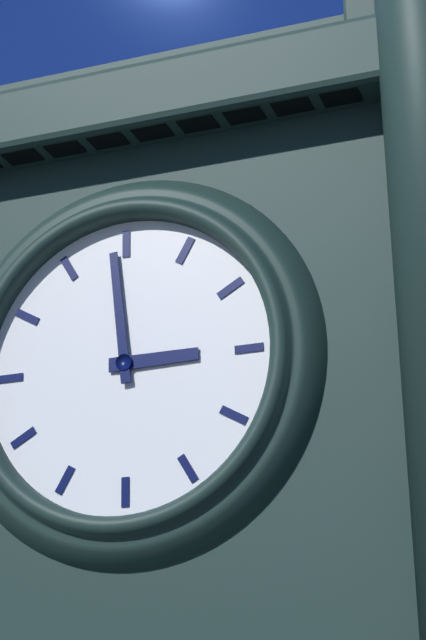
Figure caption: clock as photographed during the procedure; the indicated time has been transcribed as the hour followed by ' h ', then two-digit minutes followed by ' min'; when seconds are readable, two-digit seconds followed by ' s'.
2 h 59 min
